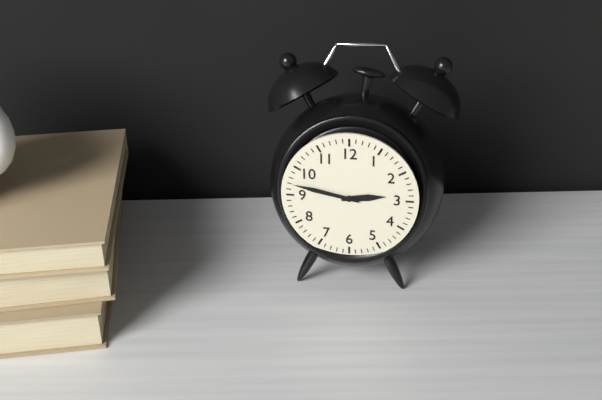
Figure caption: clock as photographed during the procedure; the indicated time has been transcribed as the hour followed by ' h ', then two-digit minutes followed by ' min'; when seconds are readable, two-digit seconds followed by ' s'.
2 h 47 min
